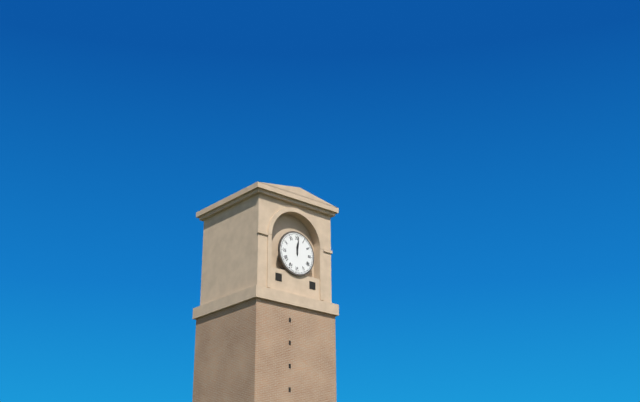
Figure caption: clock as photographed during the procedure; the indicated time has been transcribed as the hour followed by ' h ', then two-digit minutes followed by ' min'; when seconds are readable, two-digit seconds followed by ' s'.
12 h 01 min
